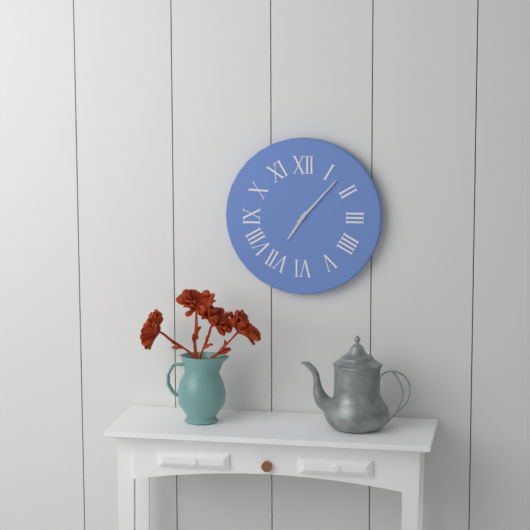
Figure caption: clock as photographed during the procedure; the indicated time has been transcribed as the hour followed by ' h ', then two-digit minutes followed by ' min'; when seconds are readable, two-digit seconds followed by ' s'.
7 h 07 min
